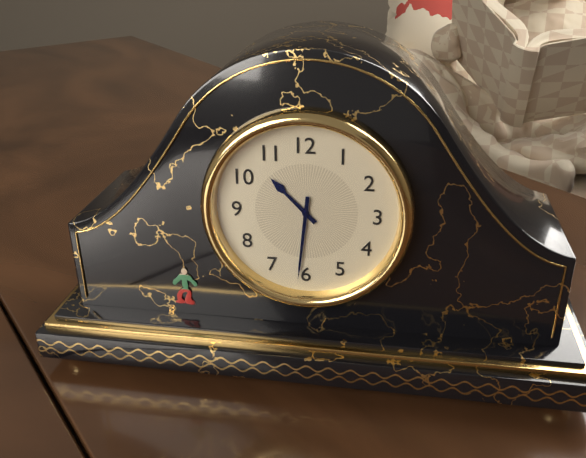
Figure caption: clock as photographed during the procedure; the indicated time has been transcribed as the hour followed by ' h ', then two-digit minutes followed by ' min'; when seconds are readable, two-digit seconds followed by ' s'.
10 h 31 min
